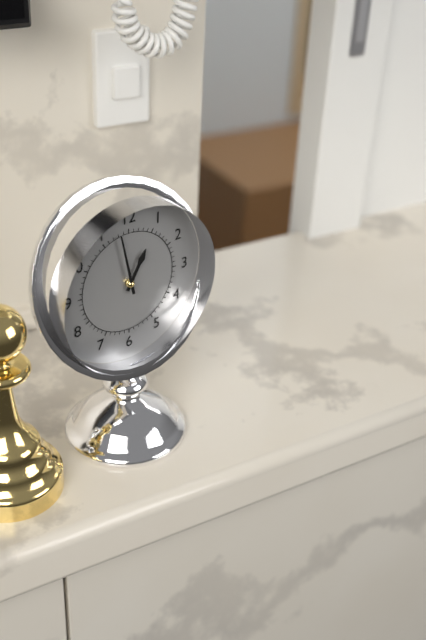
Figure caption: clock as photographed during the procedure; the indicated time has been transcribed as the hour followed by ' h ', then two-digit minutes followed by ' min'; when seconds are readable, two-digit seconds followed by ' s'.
12 h 58 min
